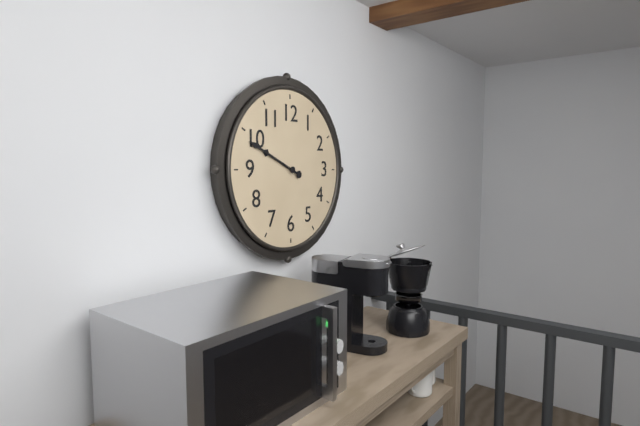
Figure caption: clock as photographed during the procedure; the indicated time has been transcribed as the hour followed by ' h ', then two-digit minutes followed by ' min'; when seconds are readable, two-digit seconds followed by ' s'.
9 h 49 min
